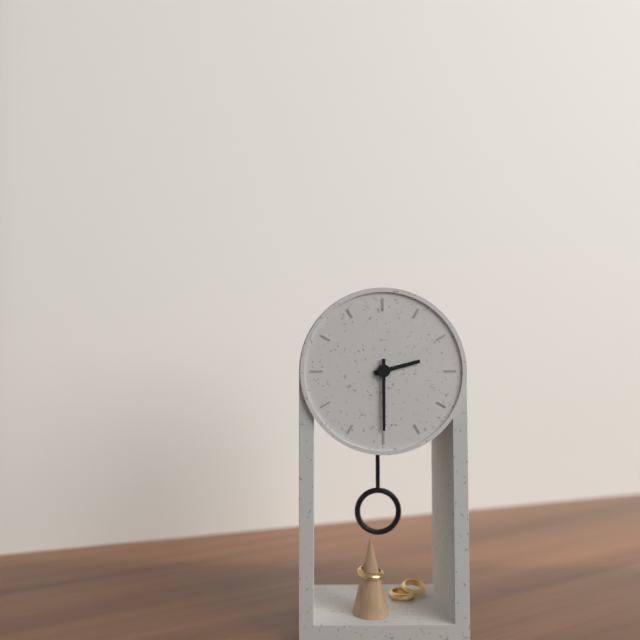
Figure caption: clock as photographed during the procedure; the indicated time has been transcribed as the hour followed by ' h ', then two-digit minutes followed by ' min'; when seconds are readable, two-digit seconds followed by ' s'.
2 h 30 min
